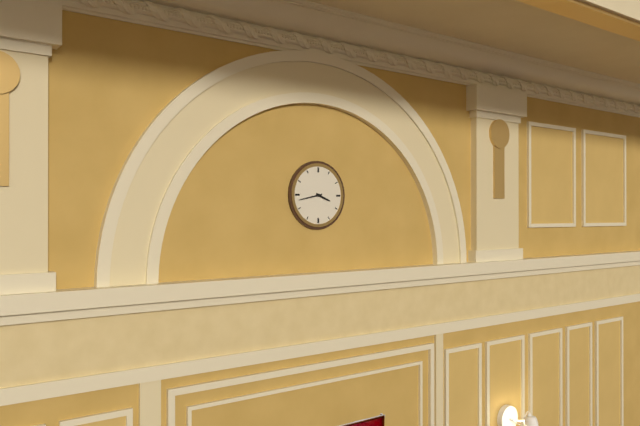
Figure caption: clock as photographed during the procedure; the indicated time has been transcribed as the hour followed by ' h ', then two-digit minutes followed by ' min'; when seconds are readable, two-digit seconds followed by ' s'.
3 h 43 min
